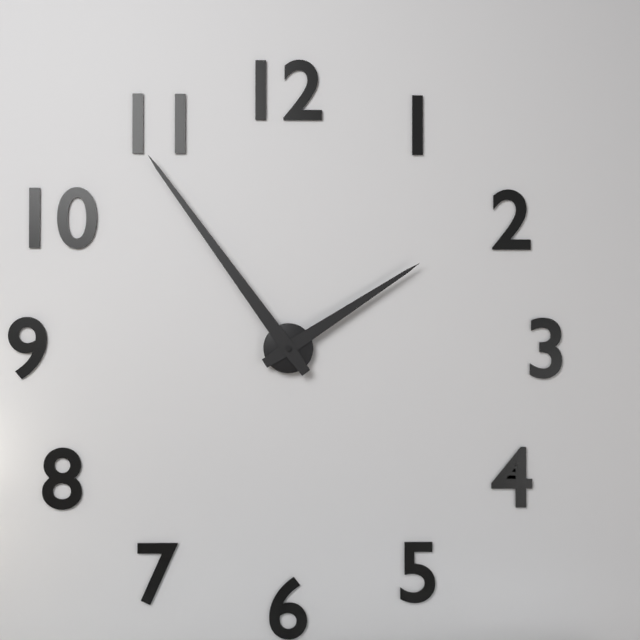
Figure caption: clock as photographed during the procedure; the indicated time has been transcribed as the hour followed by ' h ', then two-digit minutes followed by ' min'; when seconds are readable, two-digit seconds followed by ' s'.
1 h 54 min
